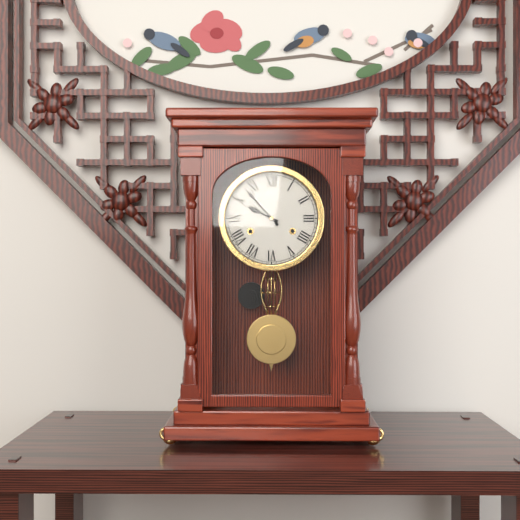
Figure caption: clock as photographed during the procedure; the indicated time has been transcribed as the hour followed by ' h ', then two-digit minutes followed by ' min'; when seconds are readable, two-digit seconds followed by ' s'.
9 h 53 min
